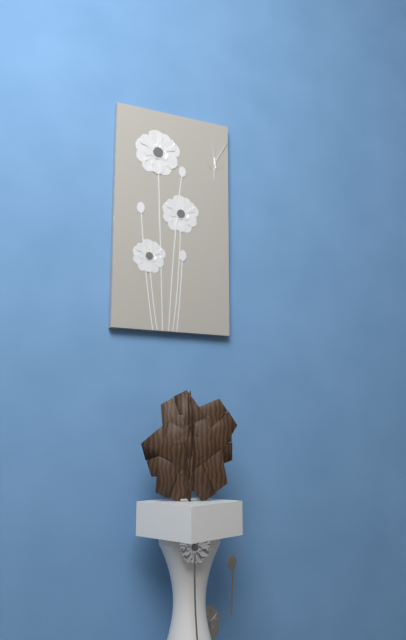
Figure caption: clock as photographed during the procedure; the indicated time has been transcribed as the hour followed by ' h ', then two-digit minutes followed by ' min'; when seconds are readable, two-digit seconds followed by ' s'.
6 h 05 min
